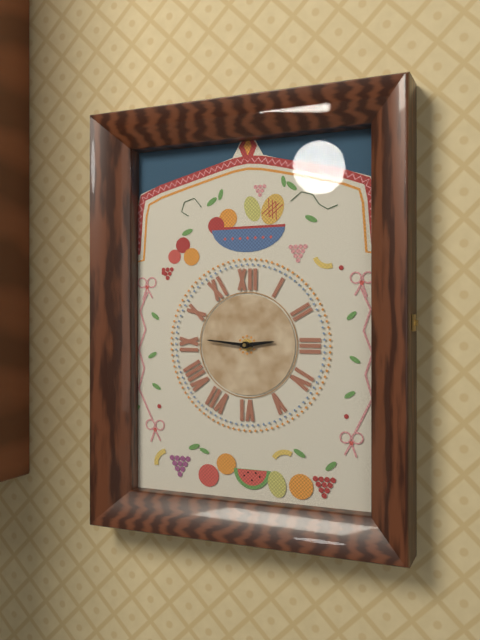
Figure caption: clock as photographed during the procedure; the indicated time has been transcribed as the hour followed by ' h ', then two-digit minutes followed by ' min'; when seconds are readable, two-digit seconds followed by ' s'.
2 h 46 min
